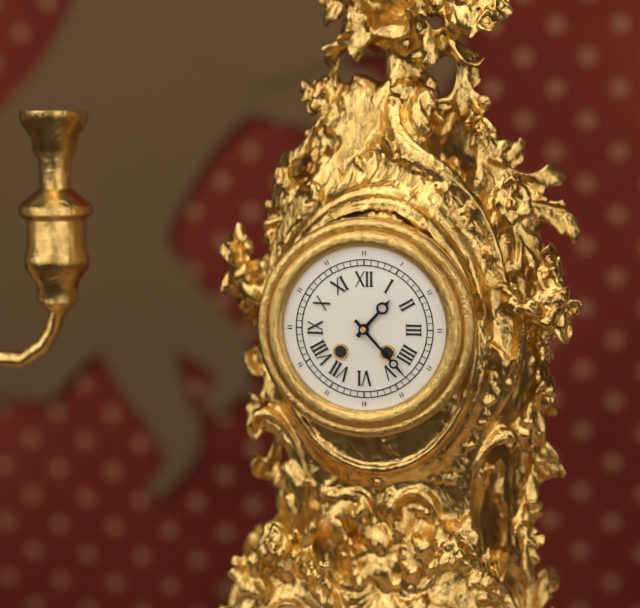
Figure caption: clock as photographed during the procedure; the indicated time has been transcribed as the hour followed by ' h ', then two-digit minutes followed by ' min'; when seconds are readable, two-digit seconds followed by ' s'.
1 h 23 min
